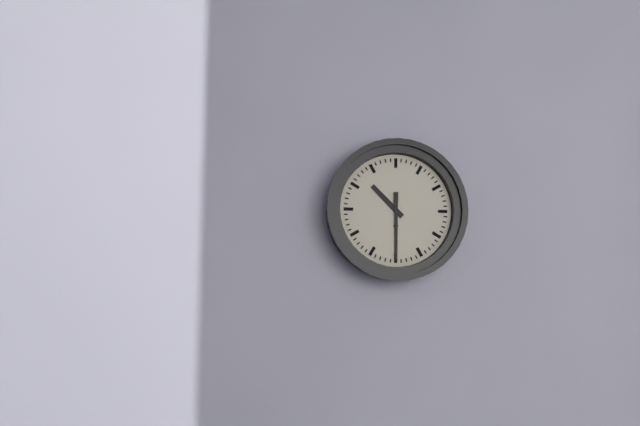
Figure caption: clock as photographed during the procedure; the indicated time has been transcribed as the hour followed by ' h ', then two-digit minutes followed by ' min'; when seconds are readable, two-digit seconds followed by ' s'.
10 h 30 min
